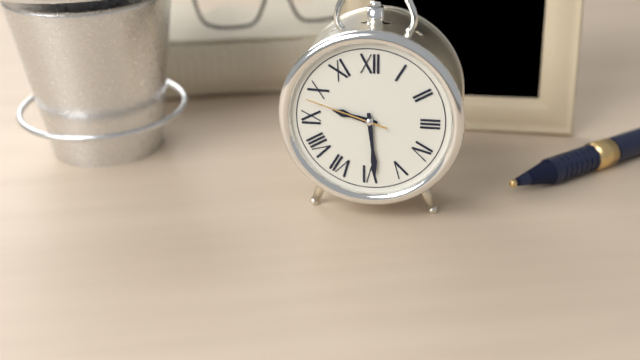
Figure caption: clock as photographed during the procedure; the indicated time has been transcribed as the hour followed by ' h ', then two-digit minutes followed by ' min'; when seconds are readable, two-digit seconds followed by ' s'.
9 h 29 min 48 s
